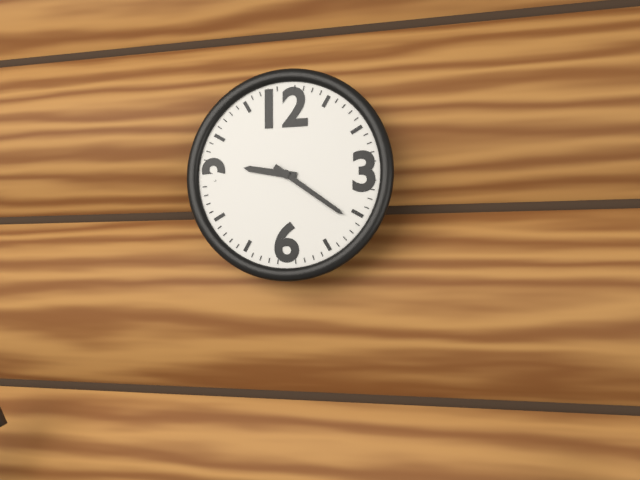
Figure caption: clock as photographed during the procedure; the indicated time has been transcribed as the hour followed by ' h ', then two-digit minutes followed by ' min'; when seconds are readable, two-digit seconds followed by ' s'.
9 h 21 min
